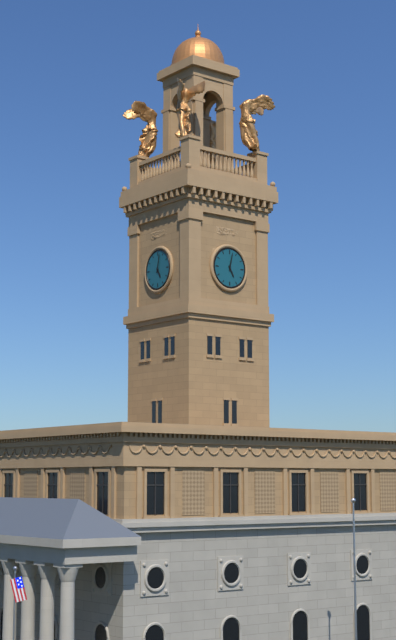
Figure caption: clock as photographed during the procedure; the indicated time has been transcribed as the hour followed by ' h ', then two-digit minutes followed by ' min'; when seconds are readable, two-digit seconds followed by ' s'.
5 h 02 min
